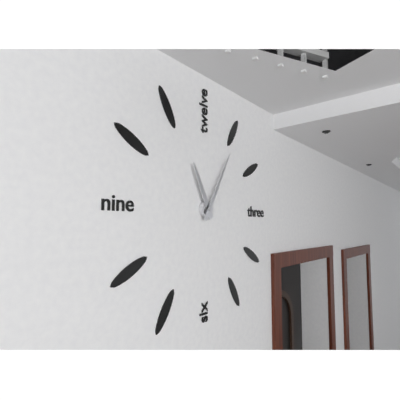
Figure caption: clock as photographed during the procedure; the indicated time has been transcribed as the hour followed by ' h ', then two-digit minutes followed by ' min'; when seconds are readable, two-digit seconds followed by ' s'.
11 h 05 min
